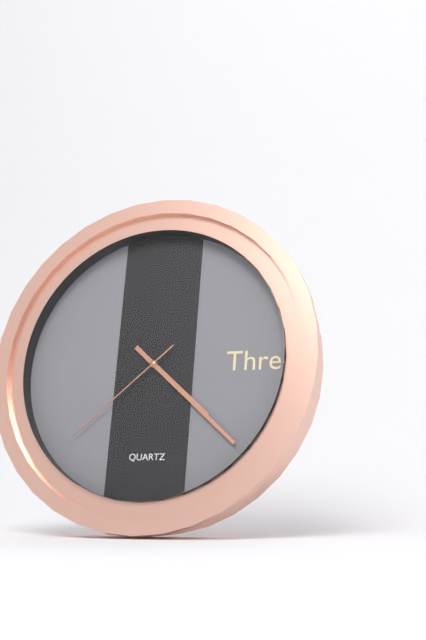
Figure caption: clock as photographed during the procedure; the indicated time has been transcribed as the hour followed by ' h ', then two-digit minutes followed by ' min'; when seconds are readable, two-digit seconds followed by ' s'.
4 h 22 min 38 s
